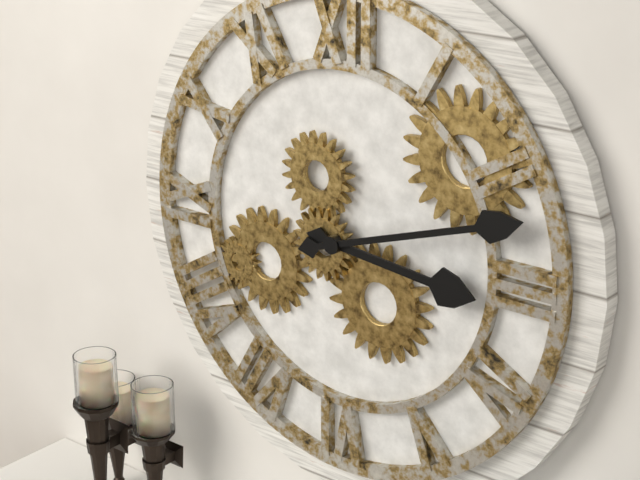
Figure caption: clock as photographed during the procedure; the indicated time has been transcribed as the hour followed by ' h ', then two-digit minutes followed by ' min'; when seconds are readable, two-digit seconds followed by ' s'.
3 h 12 min
